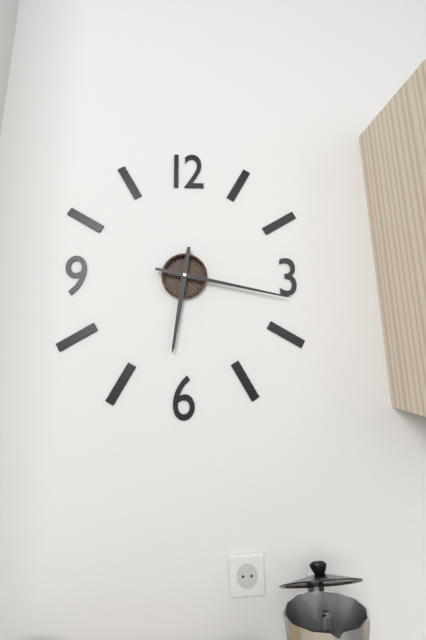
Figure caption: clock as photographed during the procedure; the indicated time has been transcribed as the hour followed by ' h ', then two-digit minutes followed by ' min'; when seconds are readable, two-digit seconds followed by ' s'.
6 h 17 min
